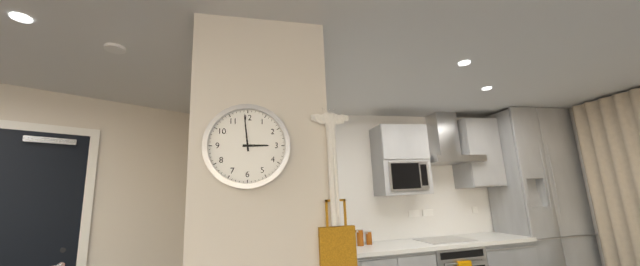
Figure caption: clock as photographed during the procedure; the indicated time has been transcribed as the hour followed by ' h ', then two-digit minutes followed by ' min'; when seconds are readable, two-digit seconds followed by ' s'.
2 h 59 min
